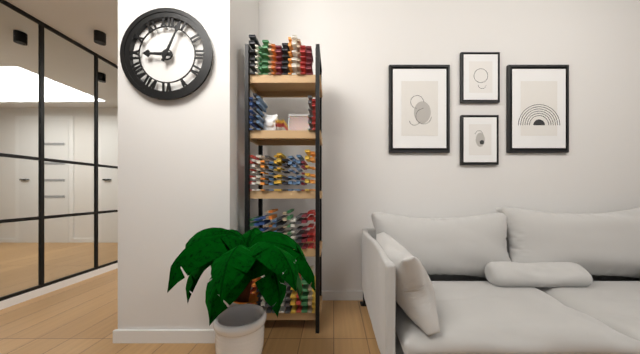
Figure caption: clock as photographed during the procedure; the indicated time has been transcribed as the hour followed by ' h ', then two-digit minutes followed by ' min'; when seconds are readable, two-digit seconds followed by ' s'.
9 h 04 min
